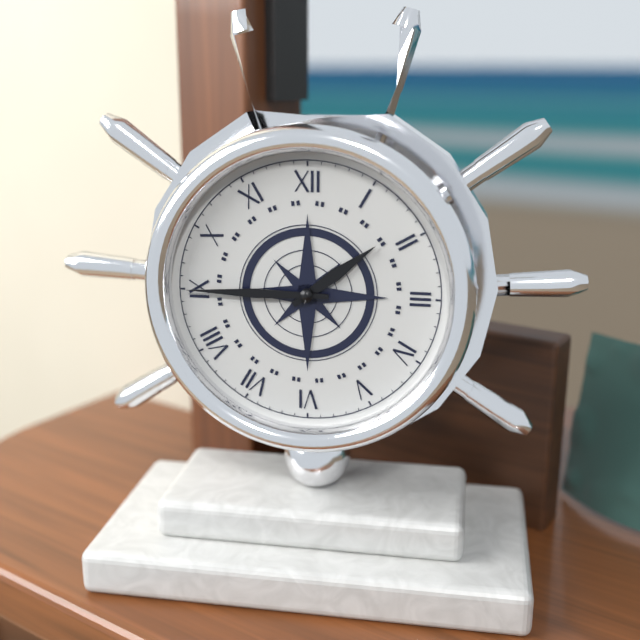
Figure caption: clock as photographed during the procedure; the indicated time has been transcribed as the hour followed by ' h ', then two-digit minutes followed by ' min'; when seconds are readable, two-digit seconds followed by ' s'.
1 h 45 min
